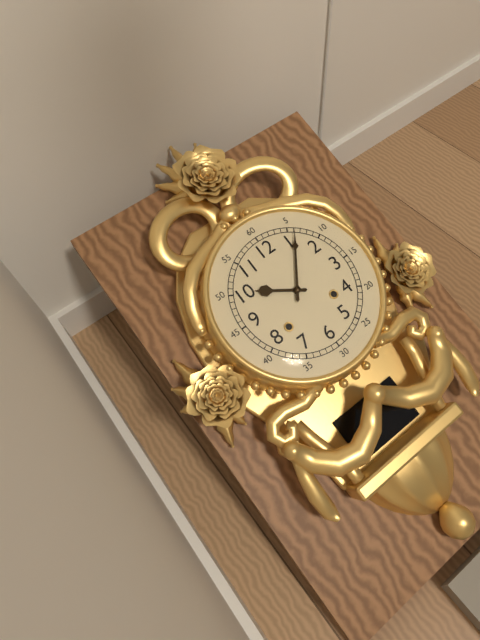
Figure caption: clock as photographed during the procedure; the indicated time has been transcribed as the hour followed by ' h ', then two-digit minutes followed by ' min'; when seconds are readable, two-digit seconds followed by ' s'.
10 h 06 min
